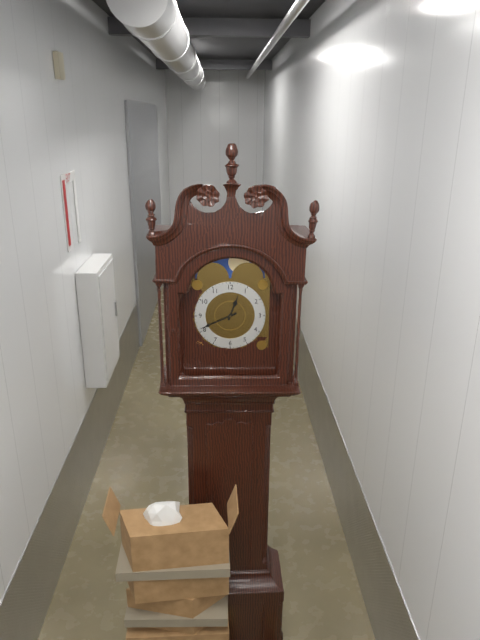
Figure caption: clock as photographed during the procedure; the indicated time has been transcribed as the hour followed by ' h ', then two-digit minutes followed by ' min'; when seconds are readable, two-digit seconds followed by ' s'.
12 h 41 min
